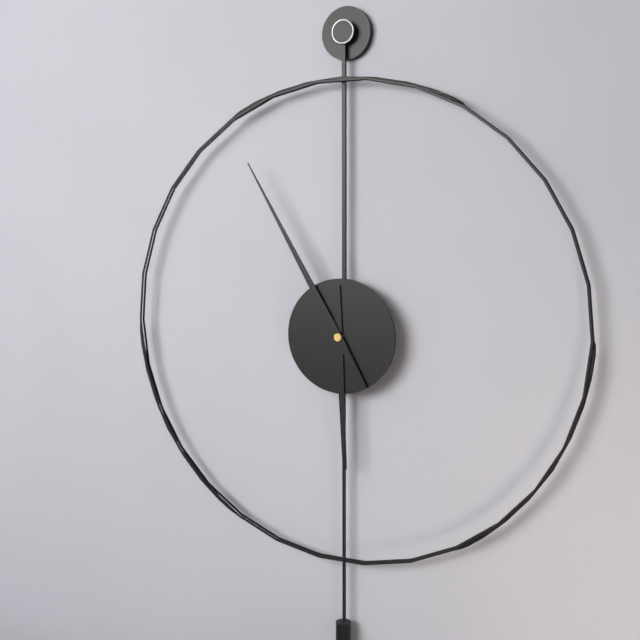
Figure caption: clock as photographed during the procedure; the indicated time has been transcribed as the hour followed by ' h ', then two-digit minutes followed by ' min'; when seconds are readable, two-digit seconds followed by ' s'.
5 h 55 min
